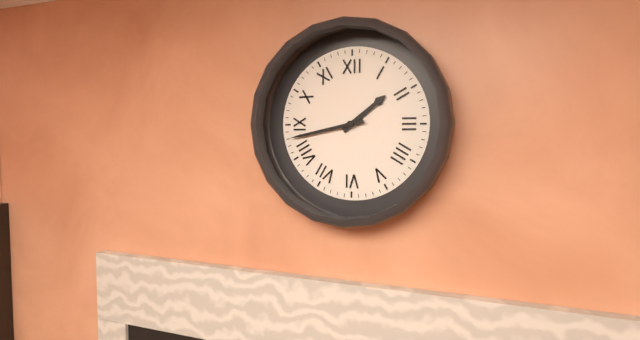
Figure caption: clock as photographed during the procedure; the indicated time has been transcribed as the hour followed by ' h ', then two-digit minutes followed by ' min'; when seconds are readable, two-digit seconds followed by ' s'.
1 h 43 min
